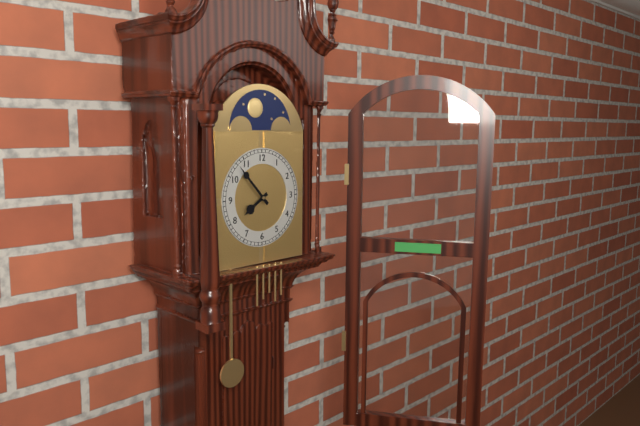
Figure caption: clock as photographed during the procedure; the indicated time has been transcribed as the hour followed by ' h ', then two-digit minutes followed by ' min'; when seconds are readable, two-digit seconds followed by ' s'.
7 h 53 min
